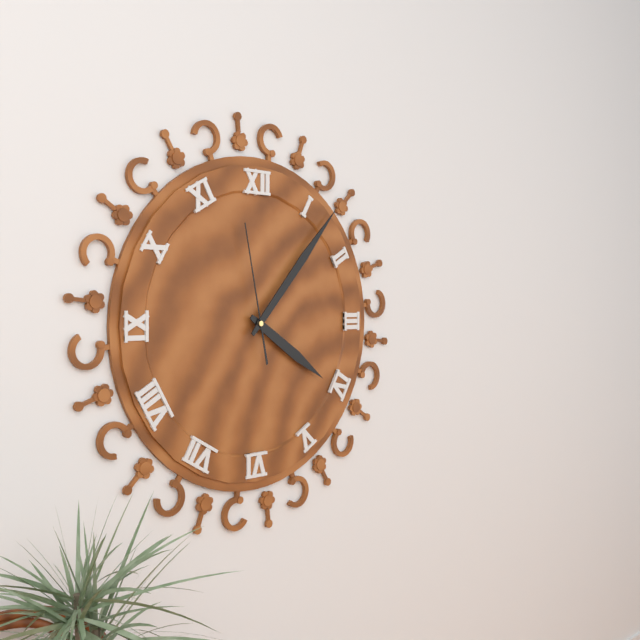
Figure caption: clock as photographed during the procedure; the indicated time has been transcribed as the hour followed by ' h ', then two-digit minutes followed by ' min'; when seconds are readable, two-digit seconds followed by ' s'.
4 h 07 min 58 s
